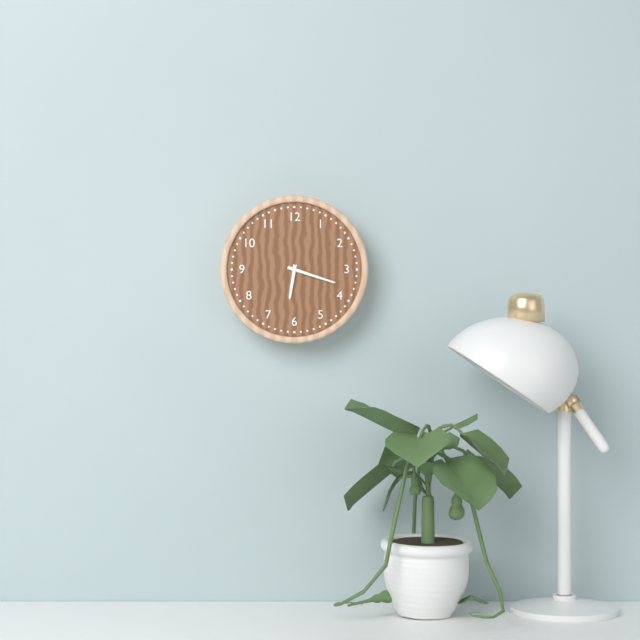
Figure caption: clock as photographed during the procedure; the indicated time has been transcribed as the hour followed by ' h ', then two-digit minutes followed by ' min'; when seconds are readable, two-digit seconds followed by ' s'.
6 h 18 min
